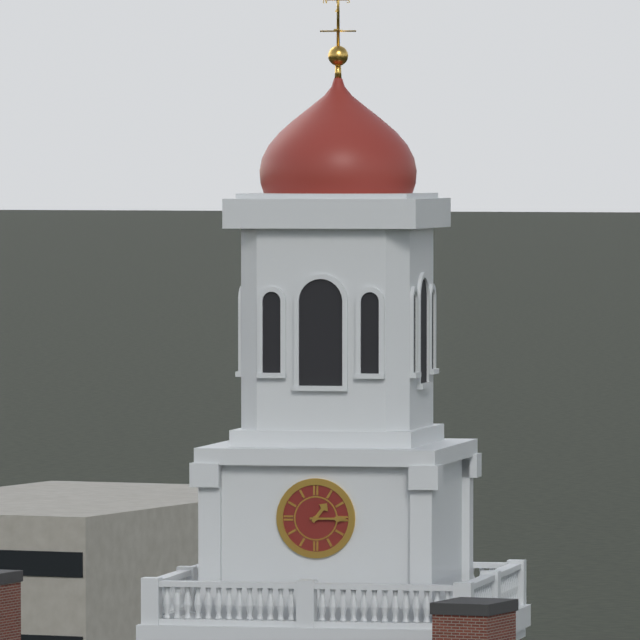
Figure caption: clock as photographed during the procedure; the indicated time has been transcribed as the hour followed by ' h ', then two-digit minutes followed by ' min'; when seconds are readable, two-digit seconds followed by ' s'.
1 h 15 min
